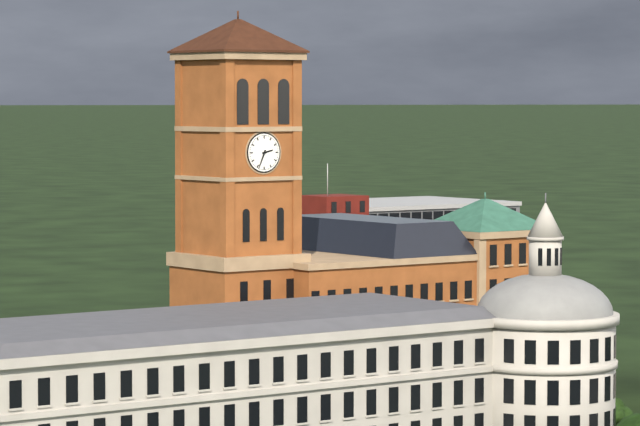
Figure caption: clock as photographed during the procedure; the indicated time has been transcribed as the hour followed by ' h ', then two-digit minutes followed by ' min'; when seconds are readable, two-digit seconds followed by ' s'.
2 h 34 min
